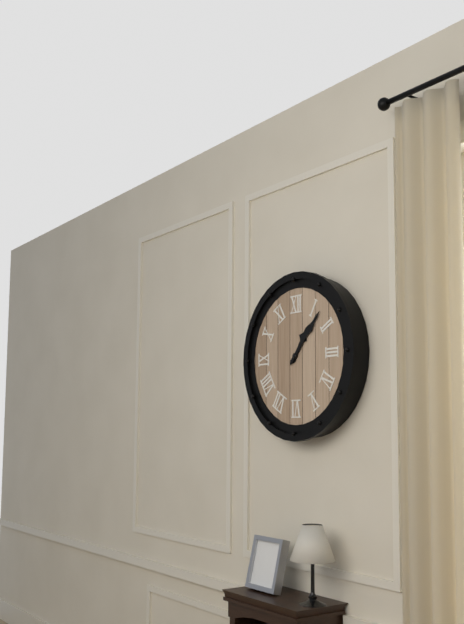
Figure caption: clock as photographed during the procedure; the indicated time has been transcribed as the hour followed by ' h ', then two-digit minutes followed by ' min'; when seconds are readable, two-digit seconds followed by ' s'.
1 h 07 min
